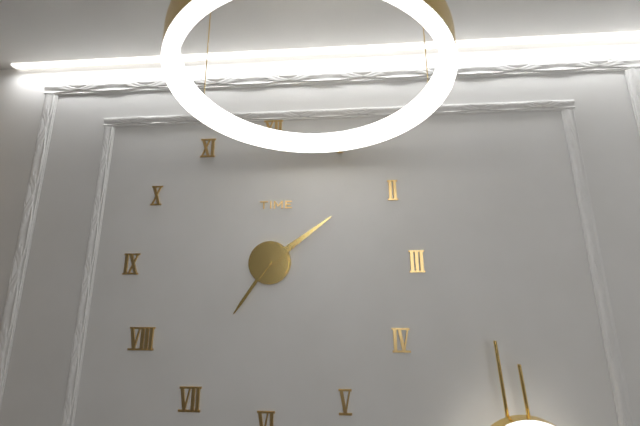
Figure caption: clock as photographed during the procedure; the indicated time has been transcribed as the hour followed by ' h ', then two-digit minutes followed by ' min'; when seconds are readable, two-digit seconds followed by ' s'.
7 h 09 min
